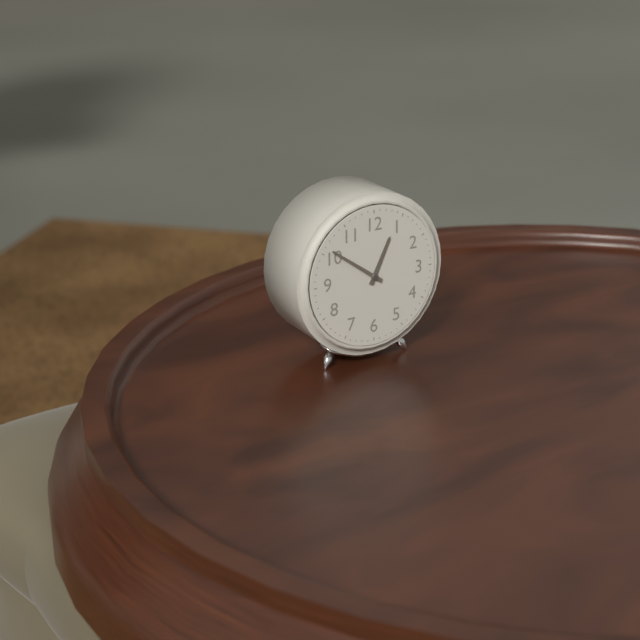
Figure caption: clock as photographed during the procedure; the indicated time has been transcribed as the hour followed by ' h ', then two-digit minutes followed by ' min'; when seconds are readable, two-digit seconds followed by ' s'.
12 h 51 min
